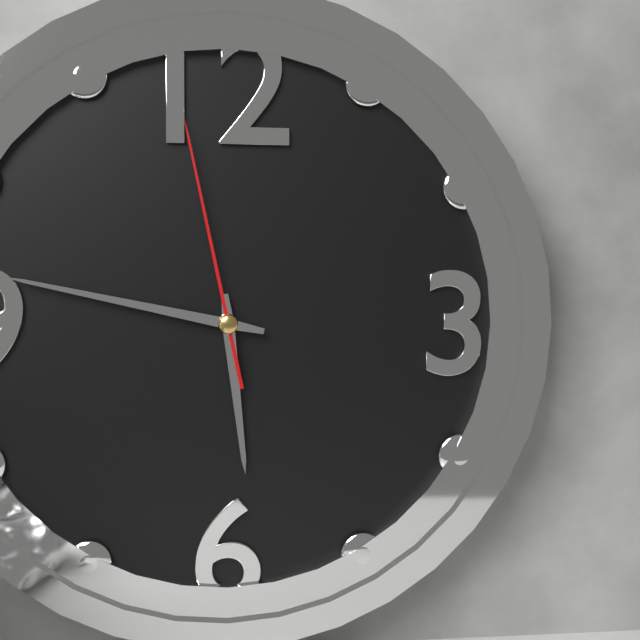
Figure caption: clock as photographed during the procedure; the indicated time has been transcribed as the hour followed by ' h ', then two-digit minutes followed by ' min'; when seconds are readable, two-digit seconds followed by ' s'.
5 h 47 min 58 s
